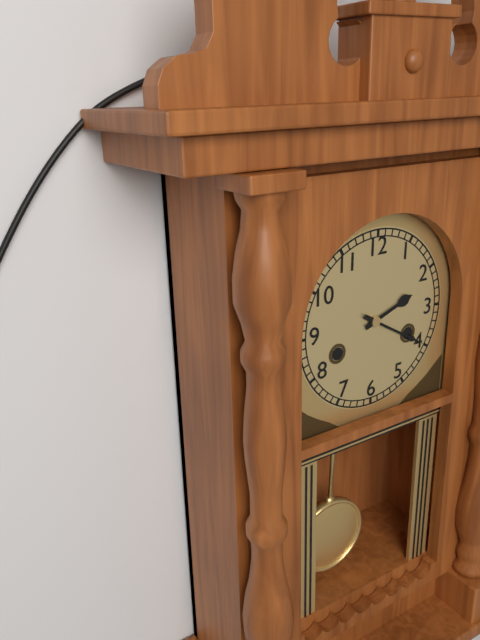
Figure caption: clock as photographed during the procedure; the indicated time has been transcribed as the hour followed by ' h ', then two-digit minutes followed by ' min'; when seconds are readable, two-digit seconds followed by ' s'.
2 h 20 min
